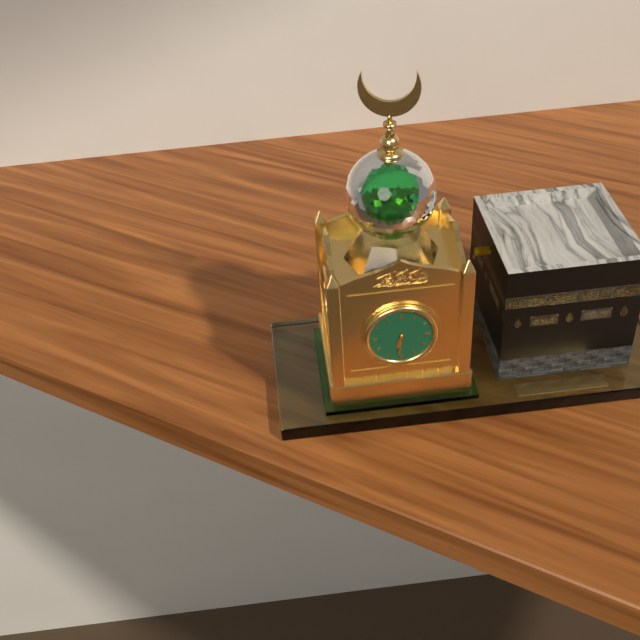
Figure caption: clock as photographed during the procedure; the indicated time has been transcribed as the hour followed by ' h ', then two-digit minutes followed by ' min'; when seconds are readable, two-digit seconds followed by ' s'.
6 h 31 min
